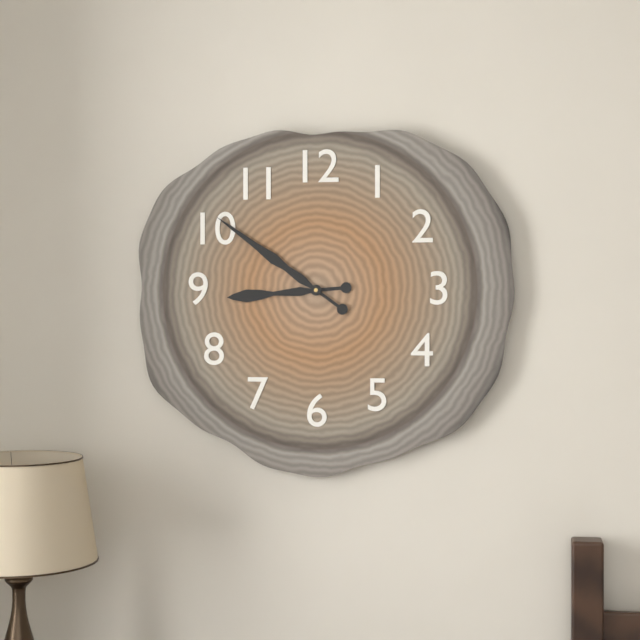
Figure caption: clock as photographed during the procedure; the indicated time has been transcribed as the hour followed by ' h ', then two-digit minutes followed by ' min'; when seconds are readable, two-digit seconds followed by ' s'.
8 h 51 min
